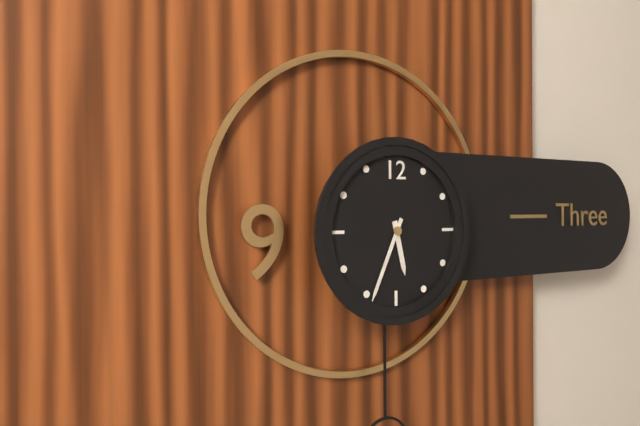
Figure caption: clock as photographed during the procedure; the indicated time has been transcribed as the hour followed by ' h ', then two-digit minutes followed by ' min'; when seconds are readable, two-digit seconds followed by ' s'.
5 h 34 min
